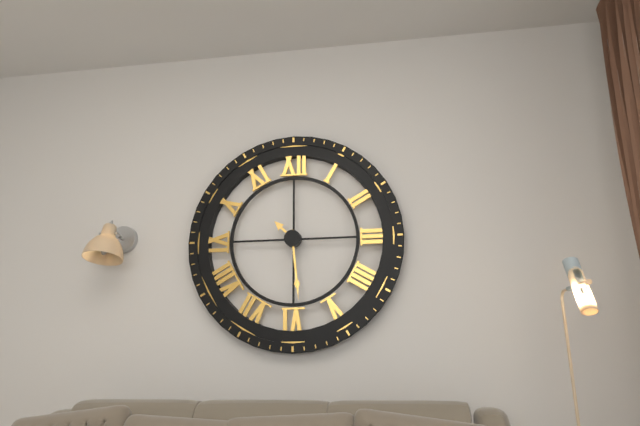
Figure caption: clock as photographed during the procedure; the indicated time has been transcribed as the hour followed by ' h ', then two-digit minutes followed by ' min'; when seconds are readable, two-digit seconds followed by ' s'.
10 h 29 min
